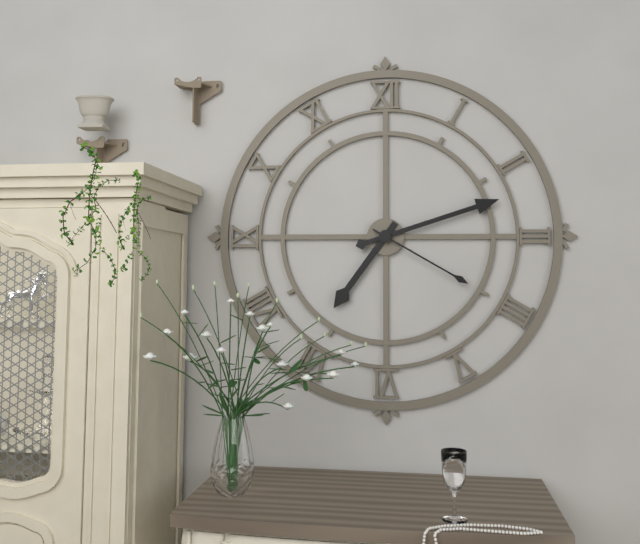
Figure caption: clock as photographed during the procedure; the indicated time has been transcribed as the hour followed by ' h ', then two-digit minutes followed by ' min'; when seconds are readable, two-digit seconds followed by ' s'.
7 h 12 min 20 s
